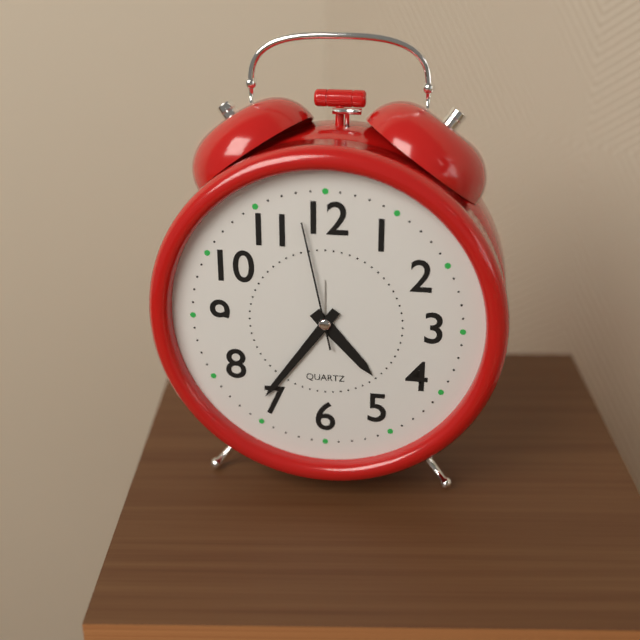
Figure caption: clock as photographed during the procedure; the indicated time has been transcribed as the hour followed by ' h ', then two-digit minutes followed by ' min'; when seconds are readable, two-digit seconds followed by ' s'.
4 h 36 min 58 s
